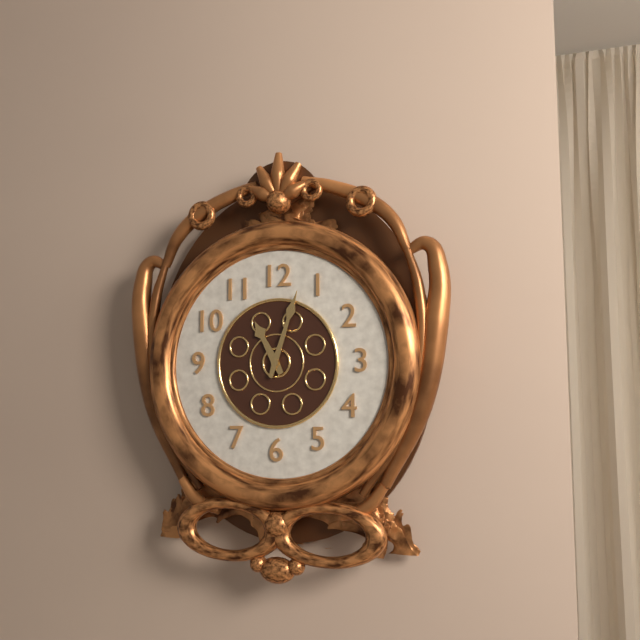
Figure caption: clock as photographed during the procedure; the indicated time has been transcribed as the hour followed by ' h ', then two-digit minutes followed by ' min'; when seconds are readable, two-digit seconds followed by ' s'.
11 h 03 min
